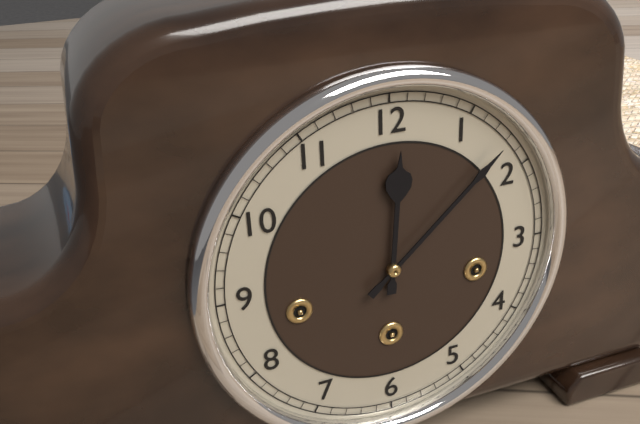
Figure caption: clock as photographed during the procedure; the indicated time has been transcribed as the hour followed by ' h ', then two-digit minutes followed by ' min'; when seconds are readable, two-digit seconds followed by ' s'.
12 h 08 min
